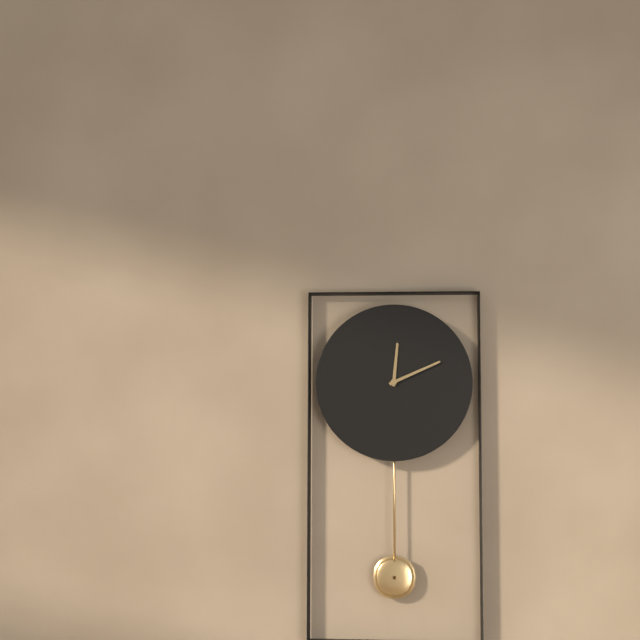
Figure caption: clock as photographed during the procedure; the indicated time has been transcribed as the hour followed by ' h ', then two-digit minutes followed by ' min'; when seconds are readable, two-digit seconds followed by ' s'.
12 h 11 min
